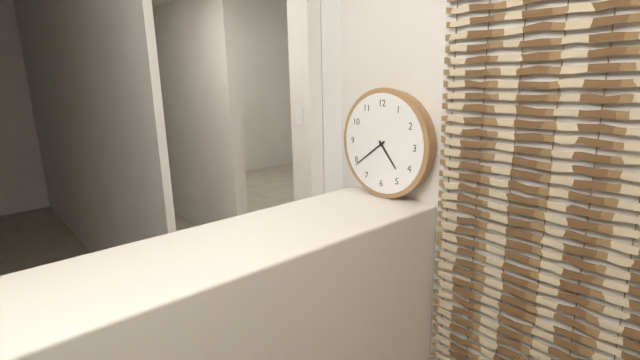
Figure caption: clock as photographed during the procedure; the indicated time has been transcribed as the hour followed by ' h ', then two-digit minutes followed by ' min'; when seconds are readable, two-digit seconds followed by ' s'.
4 h 39 min
